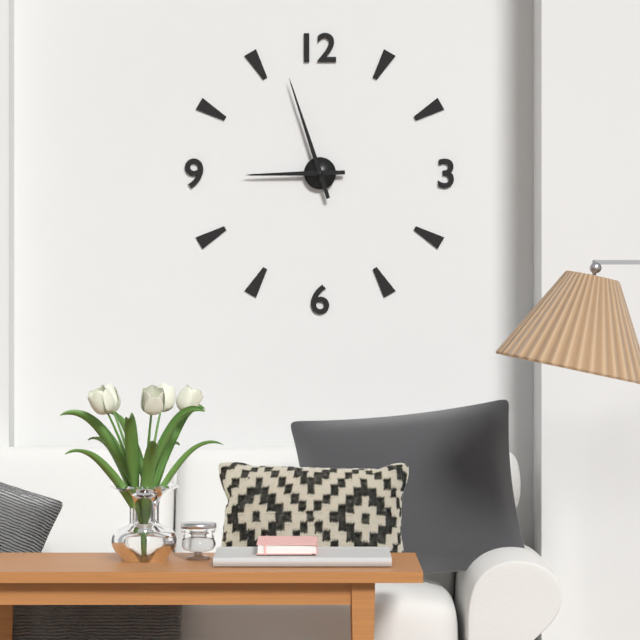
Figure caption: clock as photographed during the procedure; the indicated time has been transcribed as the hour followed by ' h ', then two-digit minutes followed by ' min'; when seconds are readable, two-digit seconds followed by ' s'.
8 h 57 min
